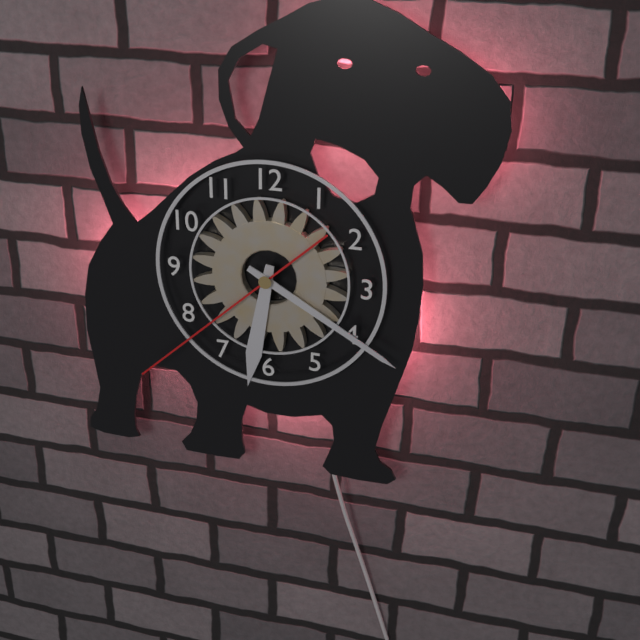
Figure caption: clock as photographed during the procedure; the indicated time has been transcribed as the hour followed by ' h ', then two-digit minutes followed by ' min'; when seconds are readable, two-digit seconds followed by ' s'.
6 h 20 min 38 s
